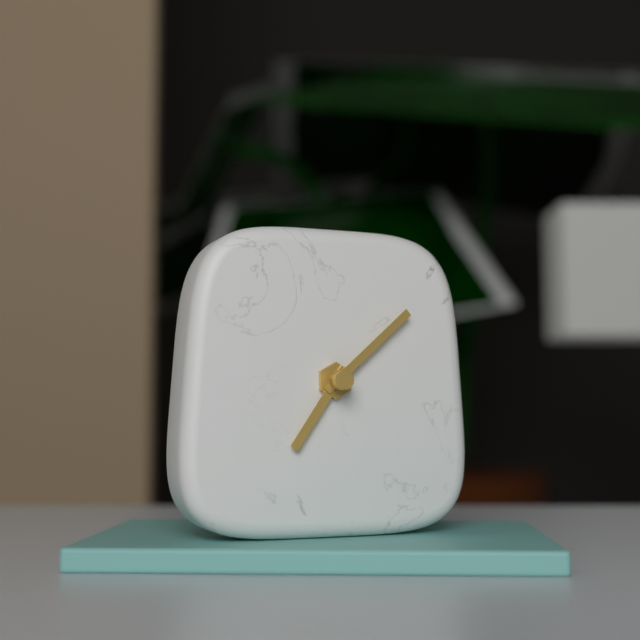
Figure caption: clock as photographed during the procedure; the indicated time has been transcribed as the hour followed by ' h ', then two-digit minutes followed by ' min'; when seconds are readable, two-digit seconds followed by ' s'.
7 h 08 min
